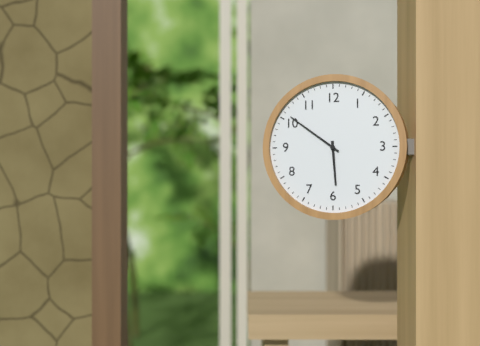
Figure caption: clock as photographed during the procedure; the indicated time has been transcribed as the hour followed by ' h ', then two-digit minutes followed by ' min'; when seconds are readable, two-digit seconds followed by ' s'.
5 h 51 min
